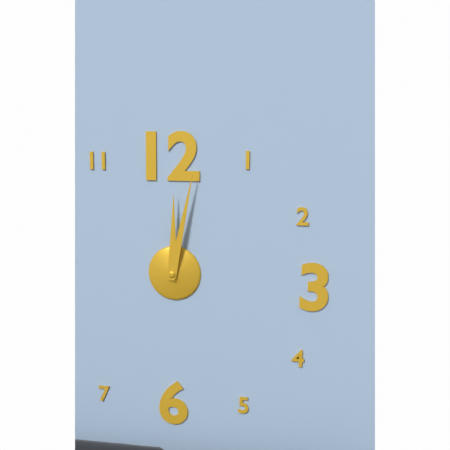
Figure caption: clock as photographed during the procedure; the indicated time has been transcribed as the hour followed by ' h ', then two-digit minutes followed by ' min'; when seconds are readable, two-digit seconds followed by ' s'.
12 h 02 min
